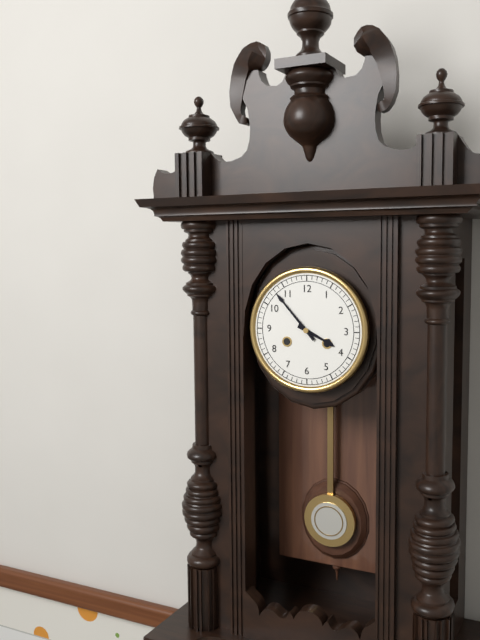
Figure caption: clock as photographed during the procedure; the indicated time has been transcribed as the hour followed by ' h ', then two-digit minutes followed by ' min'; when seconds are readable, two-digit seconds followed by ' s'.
3 h 53 min
